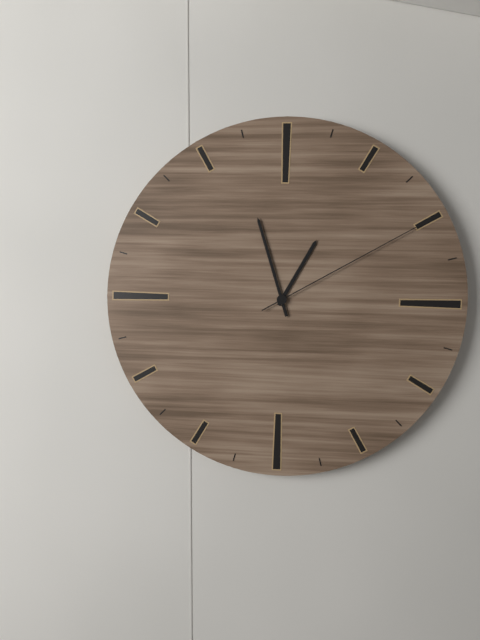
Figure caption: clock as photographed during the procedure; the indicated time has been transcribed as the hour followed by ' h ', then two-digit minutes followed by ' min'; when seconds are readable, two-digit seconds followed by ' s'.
12 h 57 min 10 s
